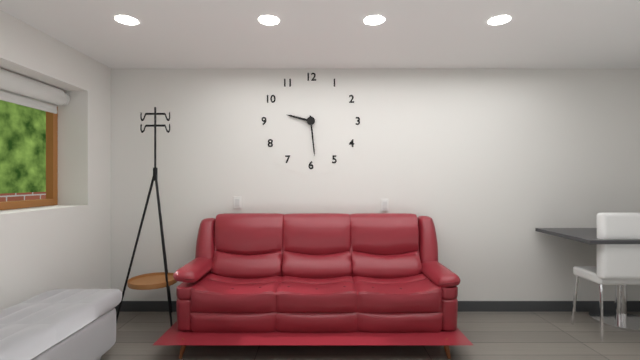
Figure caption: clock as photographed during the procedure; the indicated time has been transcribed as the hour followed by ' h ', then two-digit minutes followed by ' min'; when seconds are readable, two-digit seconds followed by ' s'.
9 h 29 min
